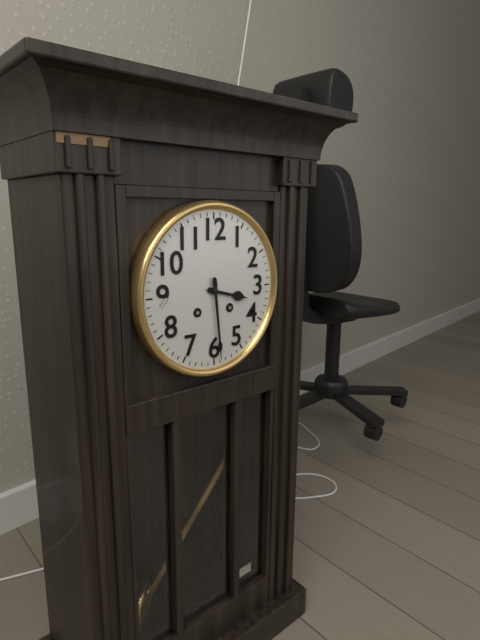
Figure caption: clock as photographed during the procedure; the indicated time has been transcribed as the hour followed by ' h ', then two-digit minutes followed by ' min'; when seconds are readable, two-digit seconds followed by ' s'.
3 h 29 min
